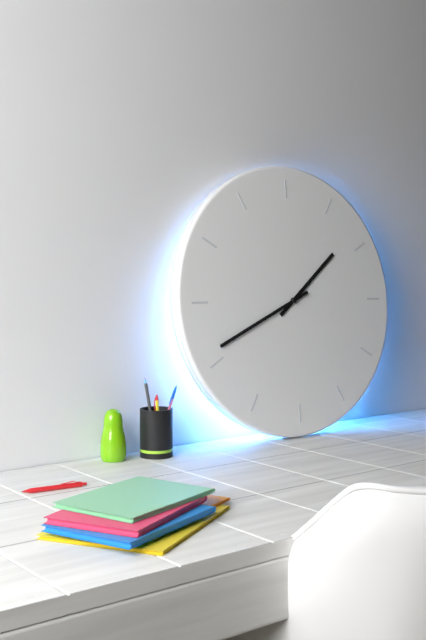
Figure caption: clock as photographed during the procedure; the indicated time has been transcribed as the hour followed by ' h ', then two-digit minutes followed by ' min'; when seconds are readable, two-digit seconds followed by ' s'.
1 h 41 min
